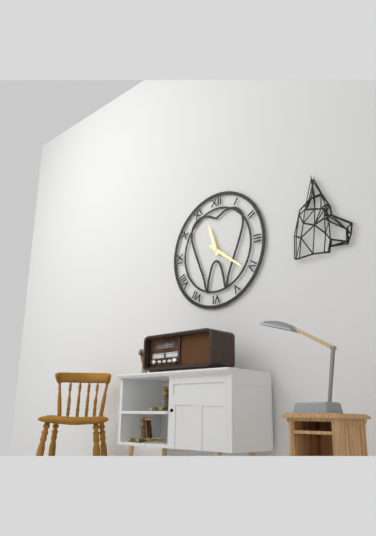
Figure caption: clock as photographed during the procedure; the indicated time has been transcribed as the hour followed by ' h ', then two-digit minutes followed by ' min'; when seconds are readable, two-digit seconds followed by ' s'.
11 h 21 min
